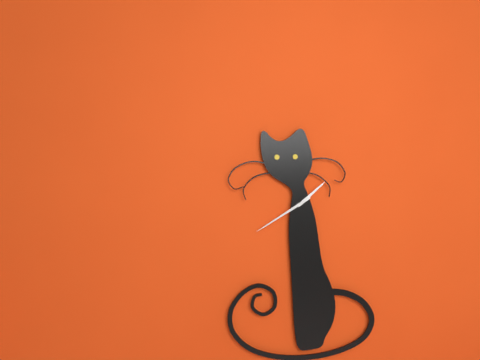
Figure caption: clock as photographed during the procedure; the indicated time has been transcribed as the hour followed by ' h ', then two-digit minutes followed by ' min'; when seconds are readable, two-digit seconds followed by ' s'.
1 h 40 min
